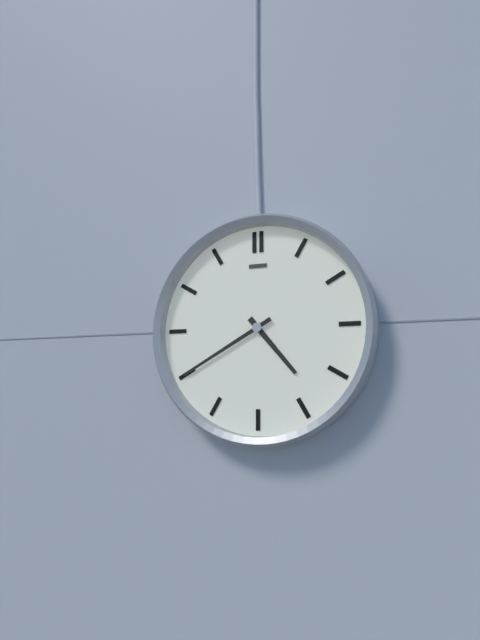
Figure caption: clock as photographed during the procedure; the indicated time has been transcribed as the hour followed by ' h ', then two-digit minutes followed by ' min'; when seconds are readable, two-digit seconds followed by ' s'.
4 h 40 min
